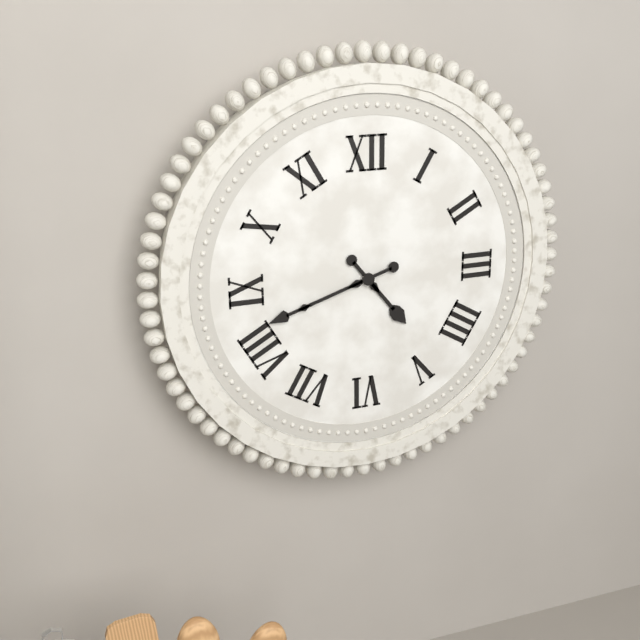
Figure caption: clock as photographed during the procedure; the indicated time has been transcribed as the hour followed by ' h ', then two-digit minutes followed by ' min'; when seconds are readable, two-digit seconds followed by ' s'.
4 h 42 min
